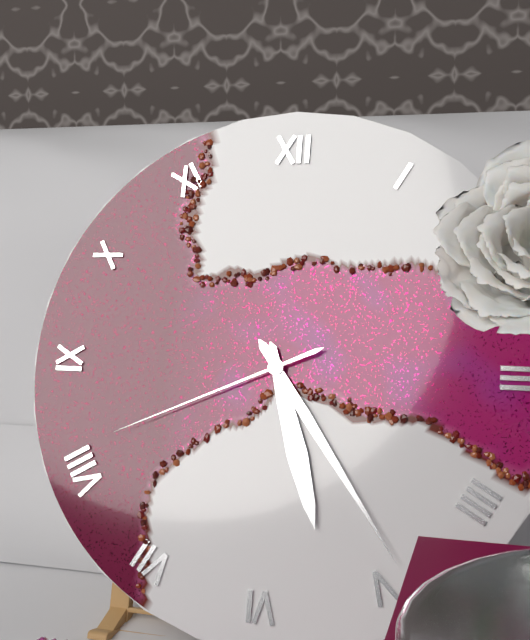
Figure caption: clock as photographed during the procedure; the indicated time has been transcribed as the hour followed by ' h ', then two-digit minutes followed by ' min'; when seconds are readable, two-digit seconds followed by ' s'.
5 h 24 min 41 s
